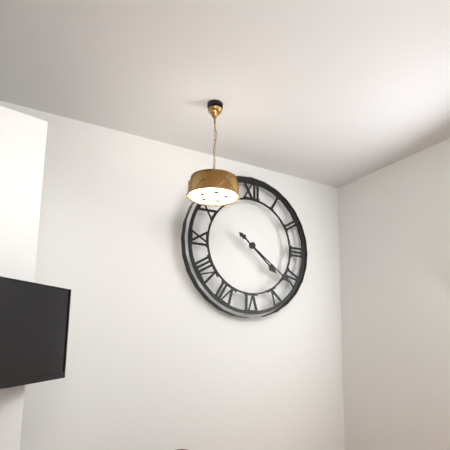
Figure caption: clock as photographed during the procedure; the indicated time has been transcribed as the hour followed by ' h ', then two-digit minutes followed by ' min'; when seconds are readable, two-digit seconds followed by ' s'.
4 h 21 min
